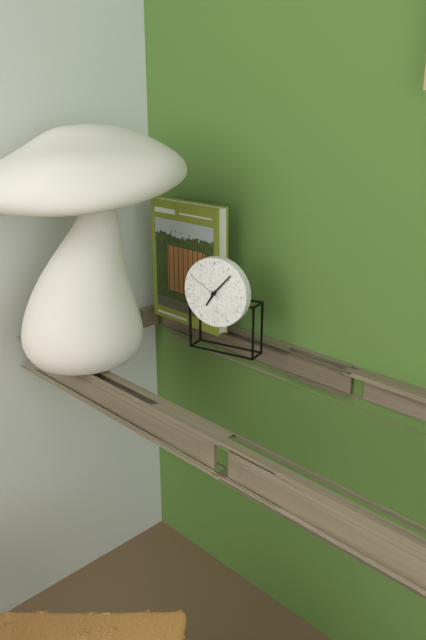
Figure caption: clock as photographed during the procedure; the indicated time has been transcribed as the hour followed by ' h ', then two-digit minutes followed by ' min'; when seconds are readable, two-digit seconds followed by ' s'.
7 h 07 min
